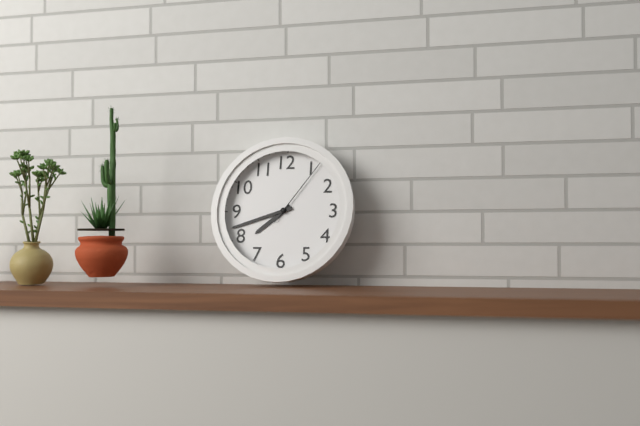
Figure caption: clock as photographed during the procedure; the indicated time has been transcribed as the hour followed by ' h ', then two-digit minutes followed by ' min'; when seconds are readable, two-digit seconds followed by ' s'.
7 h 42 min 06 s
